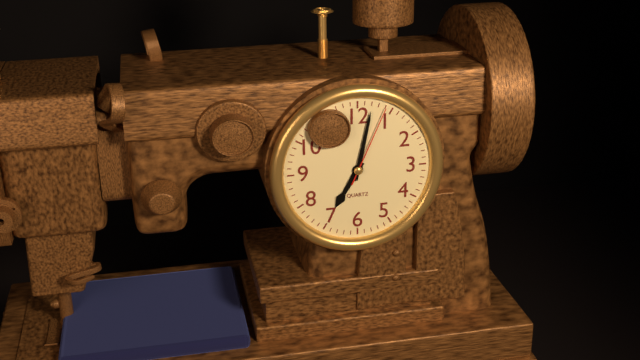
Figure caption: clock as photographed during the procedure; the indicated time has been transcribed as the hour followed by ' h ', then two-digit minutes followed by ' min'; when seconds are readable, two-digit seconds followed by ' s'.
7 h 02 min 04 s
